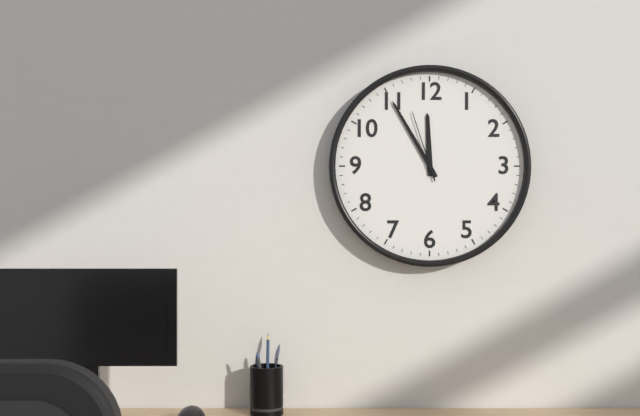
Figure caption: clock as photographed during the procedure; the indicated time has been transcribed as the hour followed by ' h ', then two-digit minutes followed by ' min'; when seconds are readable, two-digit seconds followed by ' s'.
11 h 55 min 57 s
